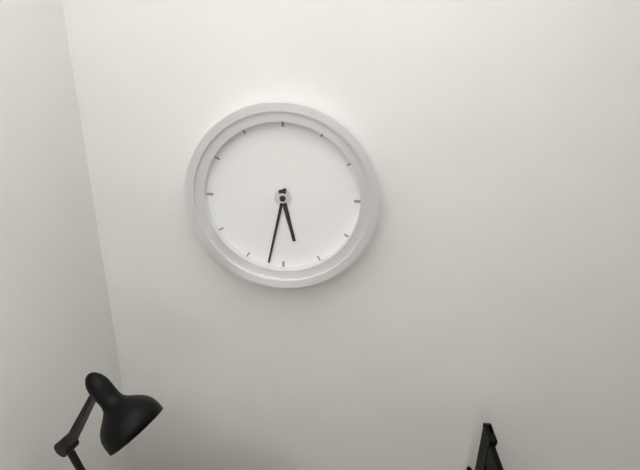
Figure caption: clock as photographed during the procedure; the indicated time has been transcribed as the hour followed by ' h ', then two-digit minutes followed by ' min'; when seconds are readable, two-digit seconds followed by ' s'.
5 h 32 min
